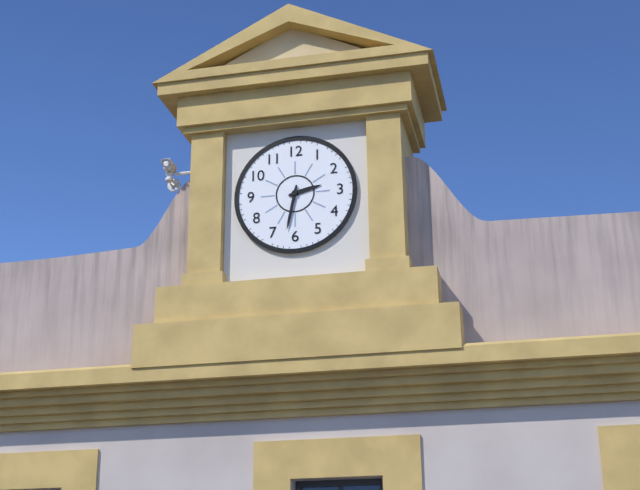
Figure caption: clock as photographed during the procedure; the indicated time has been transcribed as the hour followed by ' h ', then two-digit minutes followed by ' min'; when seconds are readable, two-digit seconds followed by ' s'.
2 h 32 min
